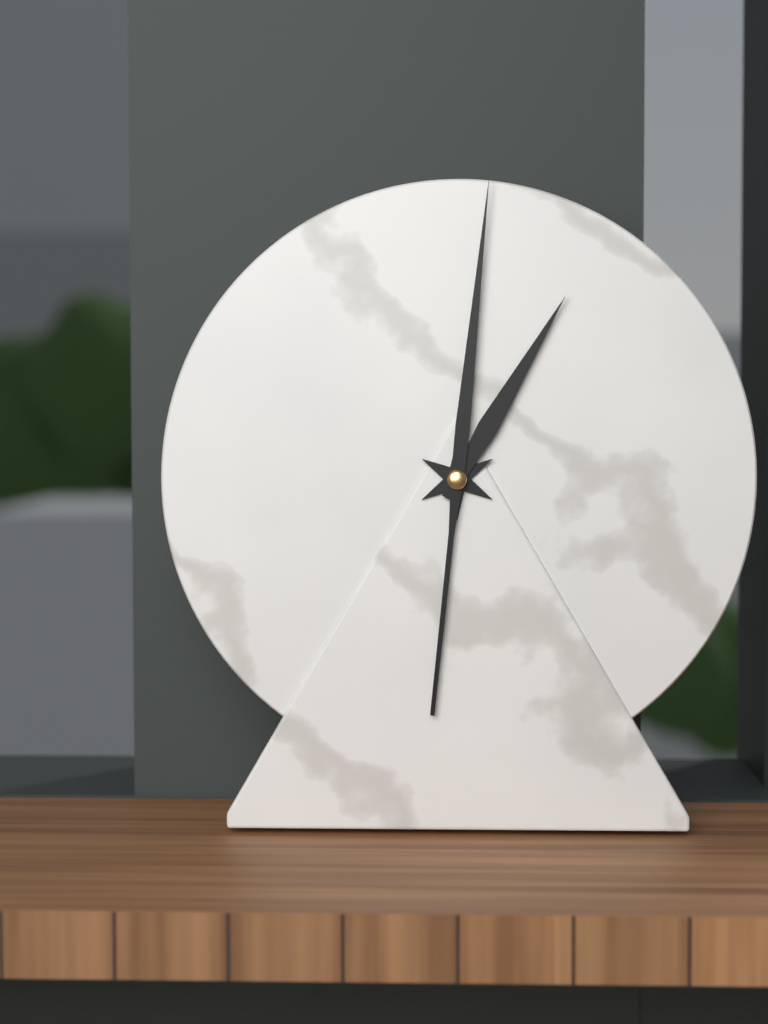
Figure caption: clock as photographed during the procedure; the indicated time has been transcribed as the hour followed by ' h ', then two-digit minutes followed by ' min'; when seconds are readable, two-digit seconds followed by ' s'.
1 h 01 min
